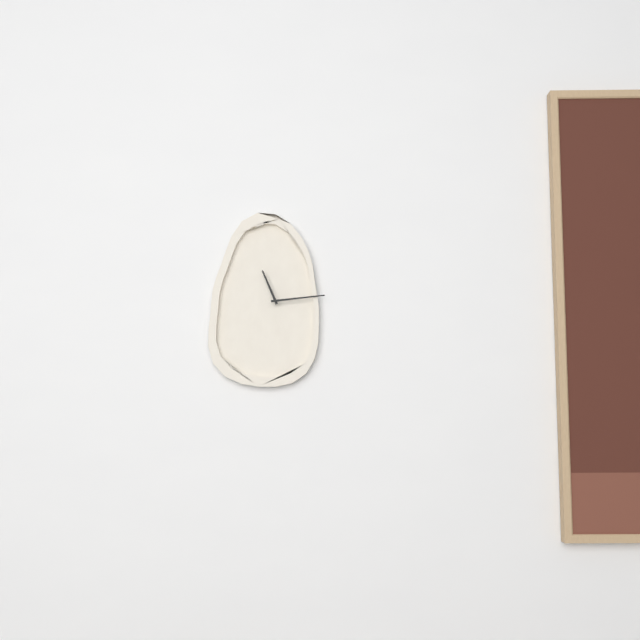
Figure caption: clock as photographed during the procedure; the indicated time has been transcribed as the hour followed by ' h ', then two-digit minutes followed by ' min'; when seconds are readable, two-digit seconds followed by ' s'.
11 h 14 min
